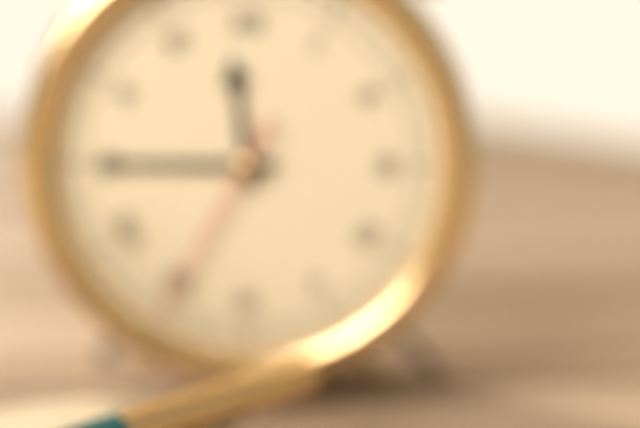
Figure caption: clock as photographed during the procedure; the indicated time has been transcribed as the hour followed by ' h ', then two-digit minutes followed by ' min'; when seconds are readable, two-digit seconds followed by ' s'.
11 h 45 min 35 s
